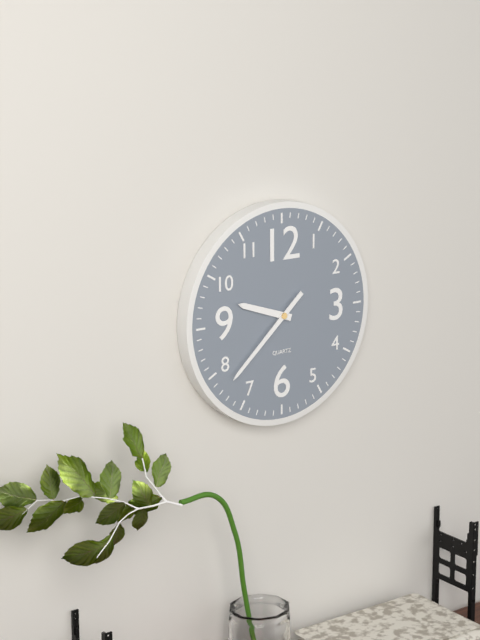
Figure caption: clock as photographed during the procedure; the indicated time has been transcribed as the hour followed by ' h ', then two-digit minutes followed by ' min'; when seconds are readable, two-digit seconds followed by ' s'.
9 h 38 min
